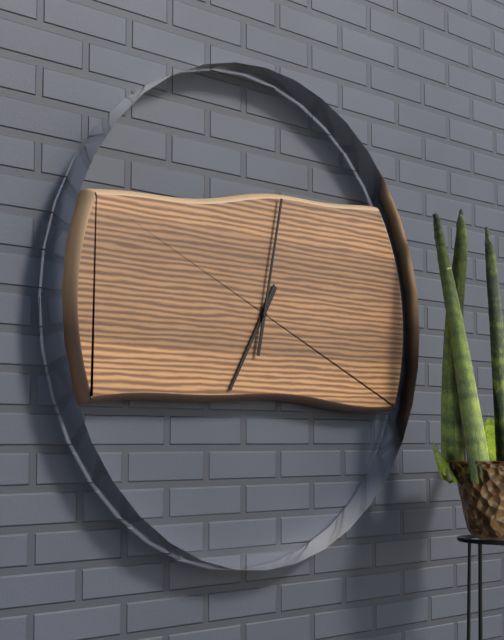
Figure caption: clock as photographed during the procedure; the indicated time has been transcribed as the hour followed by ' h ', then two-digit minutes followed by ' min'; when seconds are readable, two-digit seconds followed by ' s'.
7 h 02 min
